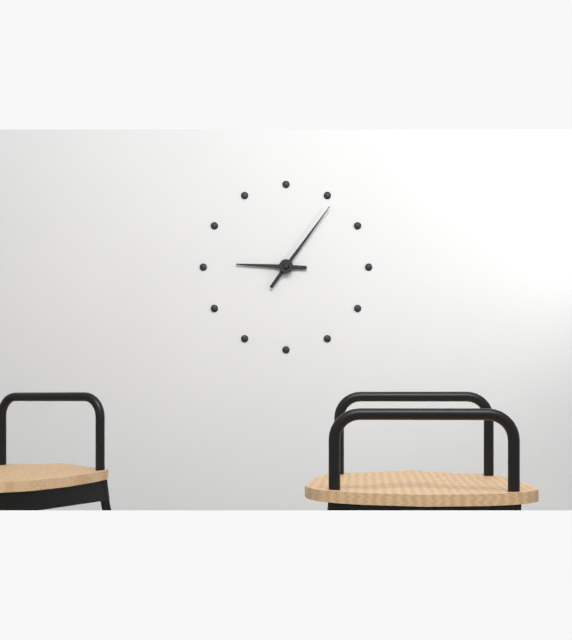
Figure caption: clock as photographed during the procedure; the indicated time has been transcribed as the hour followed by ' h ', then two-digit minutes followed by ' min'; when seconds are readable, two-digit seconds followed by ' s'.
9 h 06 min
